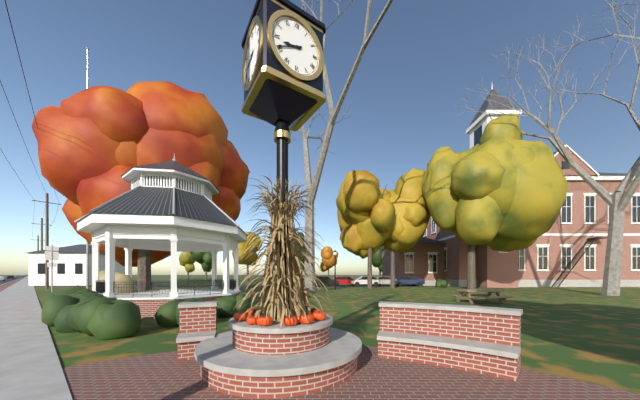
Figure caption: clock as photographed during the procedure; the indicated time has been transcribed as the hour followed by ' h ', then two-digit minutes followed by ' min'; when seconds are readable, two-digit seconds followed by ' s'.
8 h 41 min
